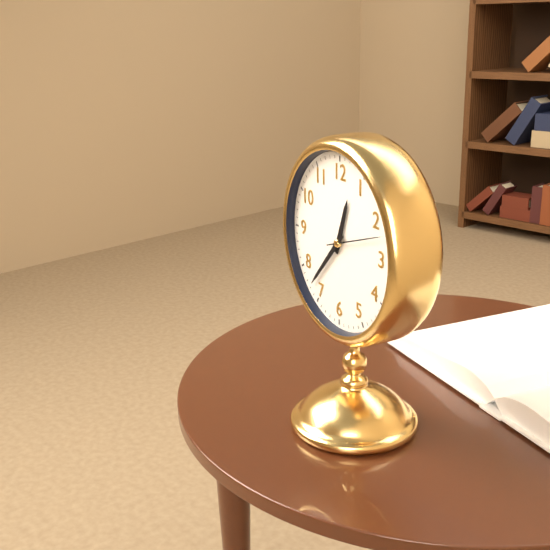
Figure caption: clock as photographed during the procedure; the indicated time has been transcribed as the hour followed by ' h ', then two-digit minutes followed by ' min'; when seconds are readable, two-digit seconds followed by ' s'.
12 h 37 min 12 s
